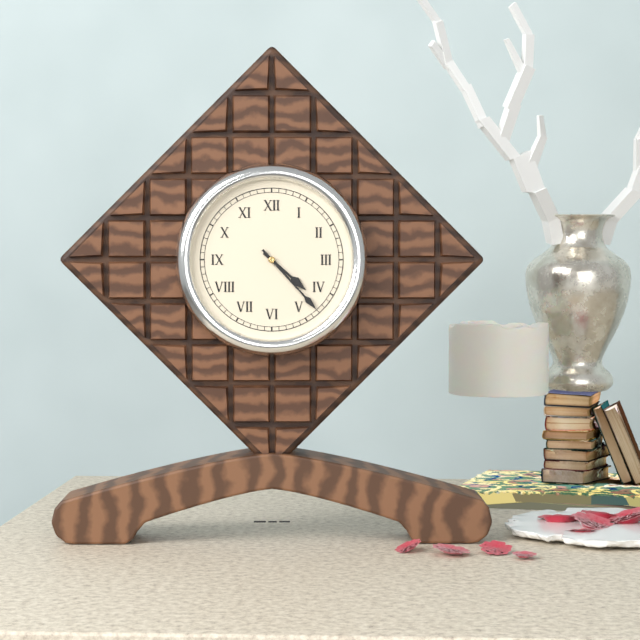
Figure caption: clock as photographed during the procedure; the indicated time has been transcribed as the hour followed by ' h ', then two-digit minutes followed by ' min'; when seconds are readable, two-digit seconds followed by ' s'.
4 h 23 min
